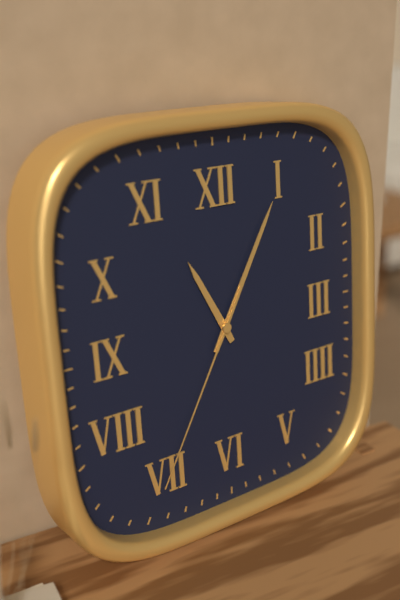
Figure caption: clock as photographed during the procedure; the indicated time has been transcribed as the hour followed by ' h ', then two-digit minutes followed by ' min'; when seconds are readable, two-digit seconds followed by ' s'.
11 h 05 min 35 s
